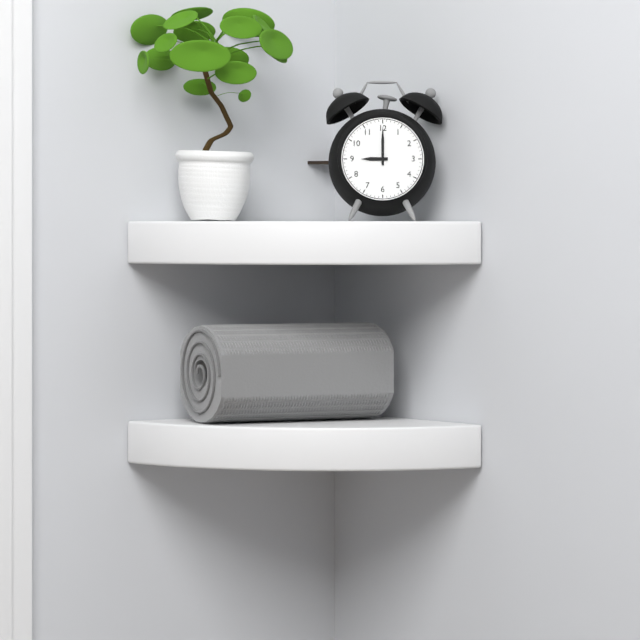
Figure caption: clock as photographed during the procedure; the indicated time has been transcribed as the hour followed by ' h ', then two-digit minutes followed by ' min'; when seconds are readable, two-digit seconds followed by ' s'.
9 h 00 min
